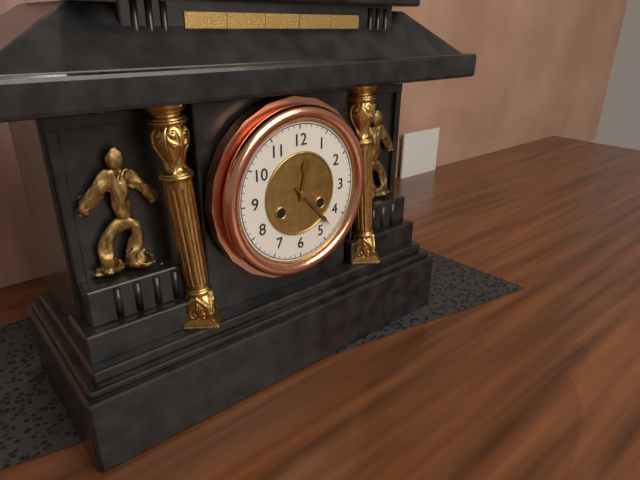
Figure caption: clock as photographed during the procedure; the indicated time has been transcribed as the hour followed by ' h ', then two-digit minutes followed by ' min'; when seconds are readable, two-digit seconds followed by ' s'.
12 h 23 min
